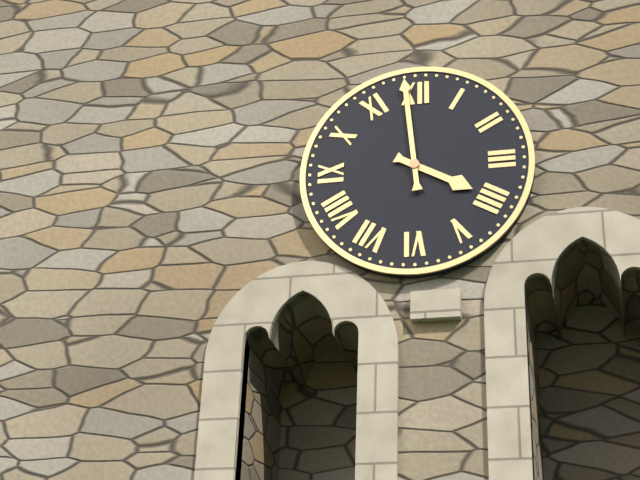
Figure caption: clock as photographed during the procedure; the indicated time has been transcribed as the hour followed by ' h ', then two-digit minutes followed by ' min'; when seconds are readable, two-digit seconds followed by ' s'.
3 h 59 min
